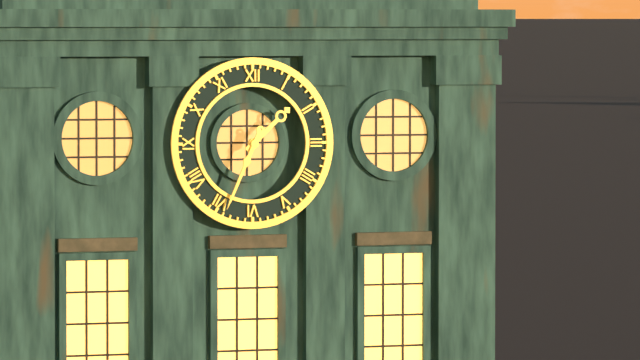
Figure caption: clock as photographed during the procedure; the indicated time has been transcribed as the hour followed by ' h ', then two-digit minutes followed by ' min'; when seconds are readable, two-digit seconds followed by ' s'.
1 h 34 min
